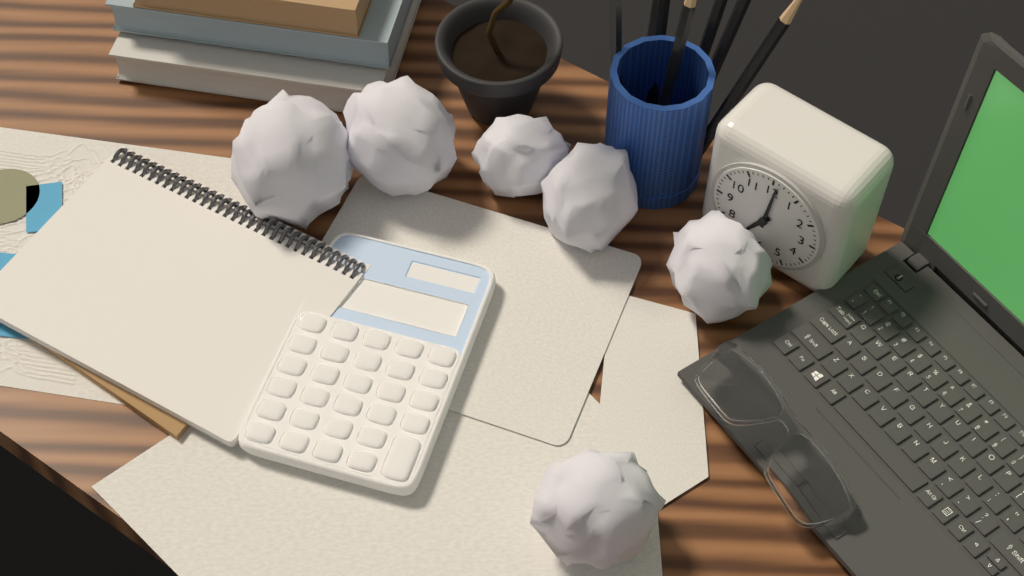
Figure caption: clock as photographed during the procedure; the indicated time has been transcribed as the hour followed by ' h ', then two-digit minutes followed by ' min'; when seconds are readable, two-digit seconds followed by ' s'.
7 h 01 min
